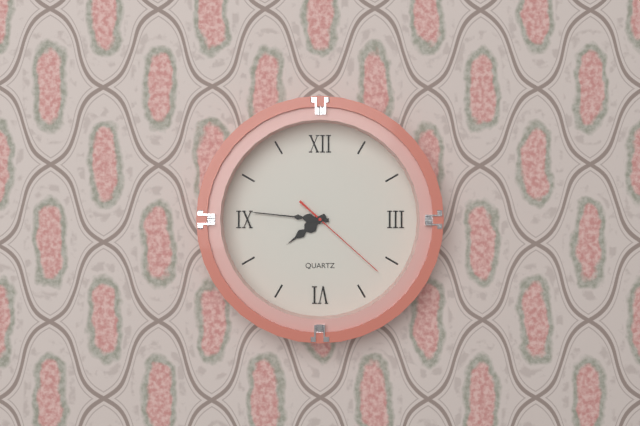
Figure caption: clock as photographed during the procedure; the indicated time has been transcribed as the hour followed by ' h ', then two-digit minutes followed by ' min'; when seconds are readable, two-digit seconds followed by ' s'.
7 h 46 min 22 s
